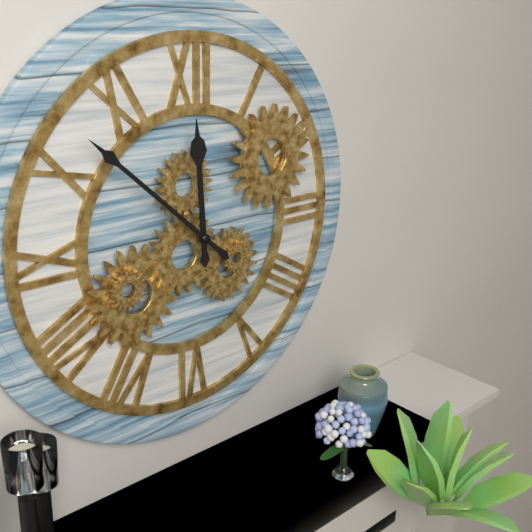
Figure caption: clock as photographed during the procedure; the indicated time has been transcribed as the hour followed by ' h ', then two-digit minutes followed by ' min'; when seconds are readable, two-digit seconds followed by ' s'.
11 h 52 min
